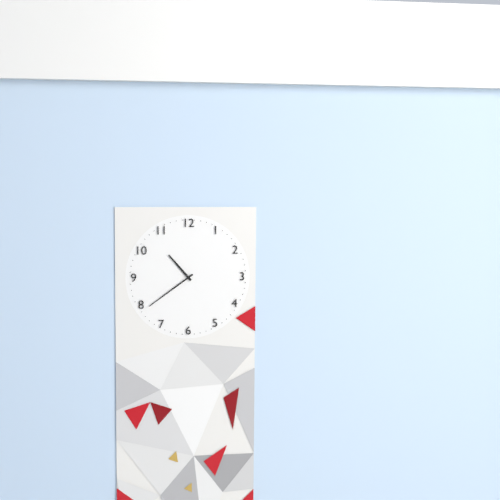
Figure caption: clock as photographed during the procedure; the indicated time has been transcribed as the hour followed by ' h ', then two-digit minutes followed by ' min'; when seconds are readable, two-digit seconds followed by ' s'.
10 h 39 min
